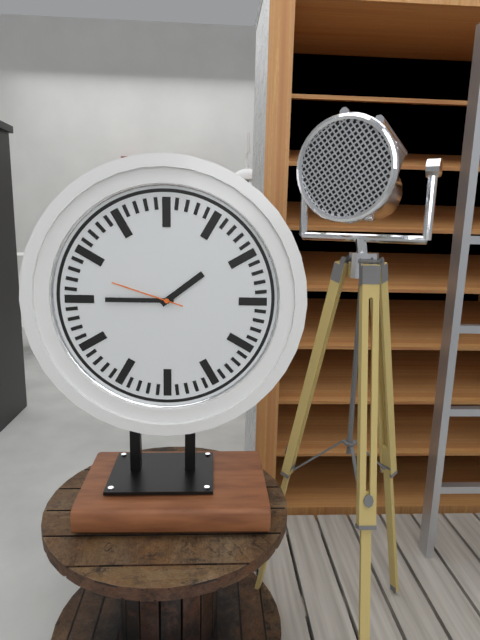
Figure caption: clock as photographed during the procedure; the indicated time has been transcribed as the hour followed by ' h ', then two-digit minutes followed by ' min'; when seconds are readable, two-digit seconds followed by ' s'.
1 h 45 min 48 s
